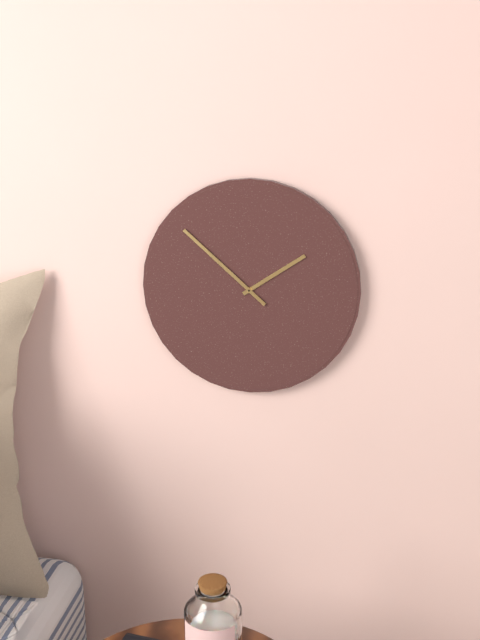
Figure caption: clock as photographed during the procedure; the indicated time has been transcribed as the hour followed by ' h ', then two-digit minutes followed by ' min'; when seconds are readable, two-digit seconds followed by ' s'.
1 h 52 min
